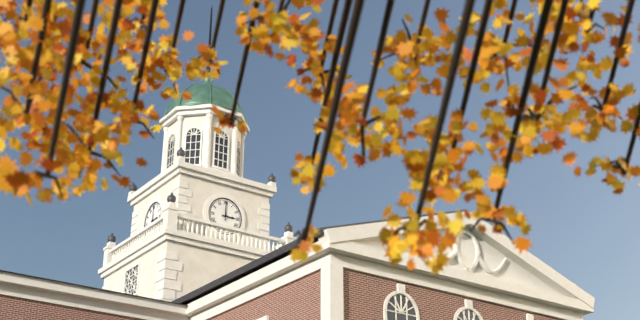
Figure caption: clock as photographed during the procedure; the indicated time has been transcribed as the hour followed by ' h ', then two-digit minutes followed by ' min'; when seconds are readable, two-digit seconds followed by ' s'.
3 h 00 min
